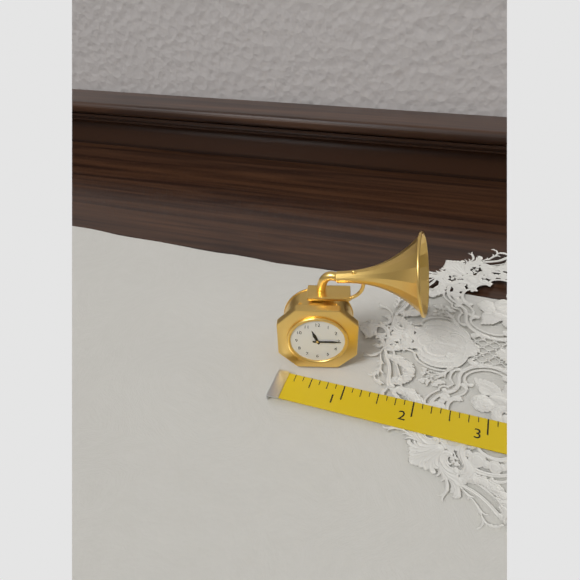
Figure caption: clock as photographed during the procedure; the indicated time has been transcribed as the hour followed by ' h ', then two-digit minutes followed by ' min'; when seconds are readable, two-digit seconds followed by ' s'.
11 h 15 min
